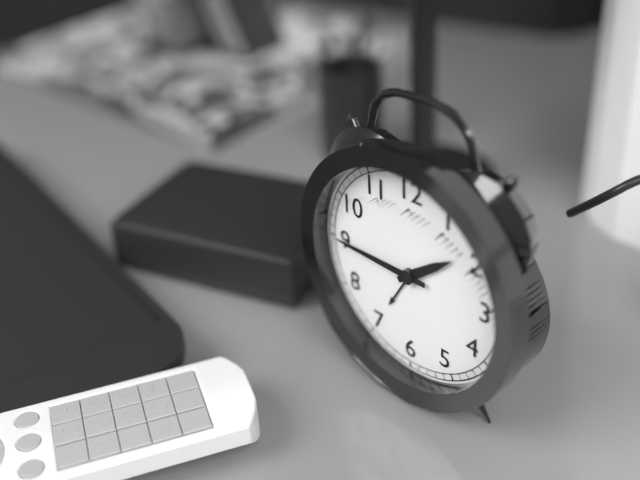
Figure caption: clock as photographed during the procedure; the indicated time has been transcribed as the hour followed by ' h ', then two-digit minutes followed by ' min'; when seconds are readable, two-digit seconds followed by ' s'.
1 h 45 min
